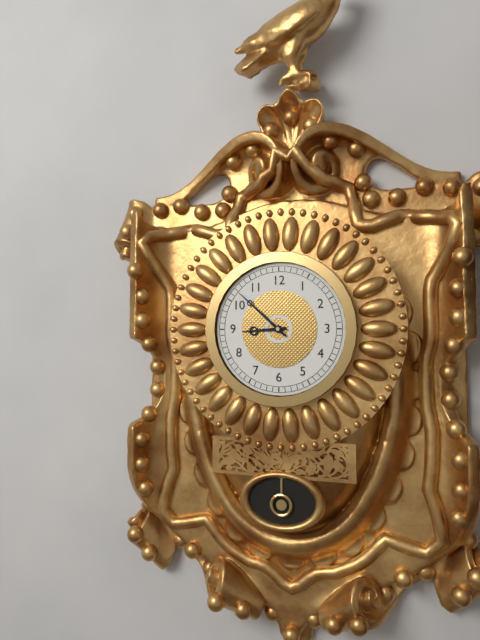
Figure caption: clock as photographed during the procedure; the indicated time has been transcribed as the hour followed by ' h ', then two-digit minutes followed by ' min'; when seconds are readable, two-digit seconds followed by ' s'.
8 h 52 min
